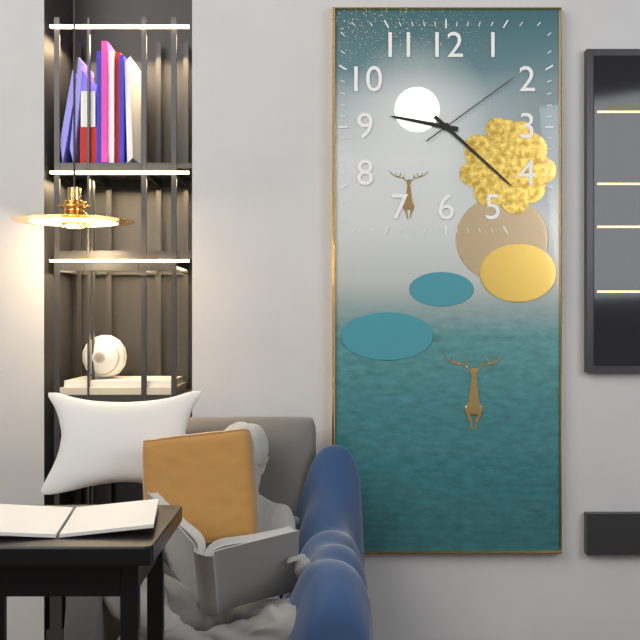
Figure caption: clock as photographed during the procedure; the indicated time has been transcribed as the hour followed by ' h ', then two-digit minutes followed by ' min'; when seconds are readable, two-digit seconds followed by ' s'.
9 h 22 min 09 s
